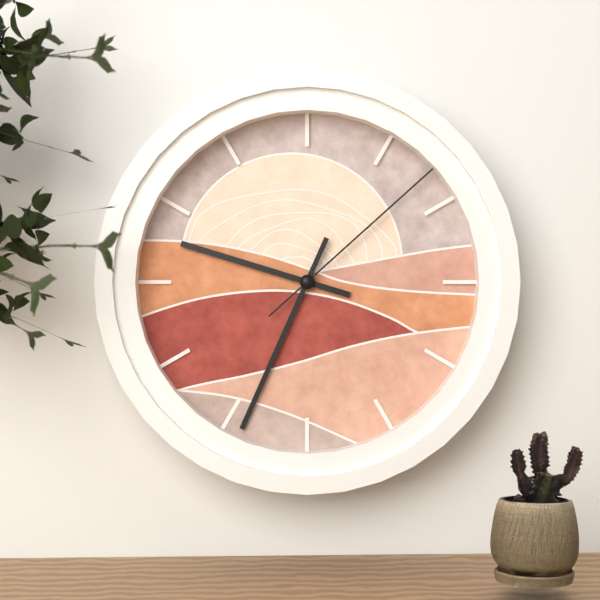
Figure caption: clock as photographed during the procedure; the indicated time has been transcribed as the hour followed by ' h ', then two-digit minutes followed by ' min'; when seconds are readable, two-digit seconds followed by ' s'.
9 h 34 min 08 s
